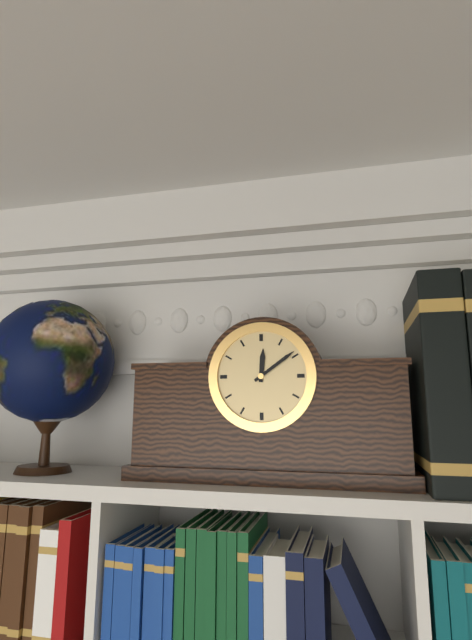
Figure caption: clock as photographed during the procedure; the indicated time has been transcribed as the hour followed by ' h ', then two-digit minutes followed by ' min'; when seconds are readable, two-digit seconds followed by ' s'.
12 h 09 min
